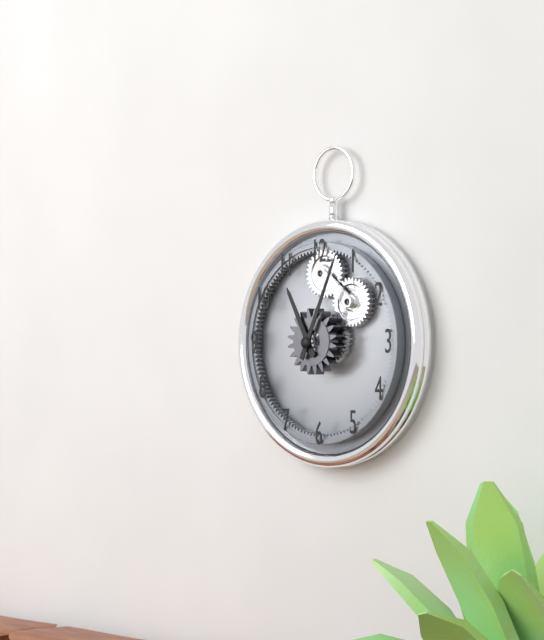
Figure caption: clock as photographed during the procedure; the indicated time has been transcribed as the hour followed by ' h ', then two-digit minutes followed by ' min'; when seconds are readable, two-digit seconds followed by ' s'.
11 h 04 min
